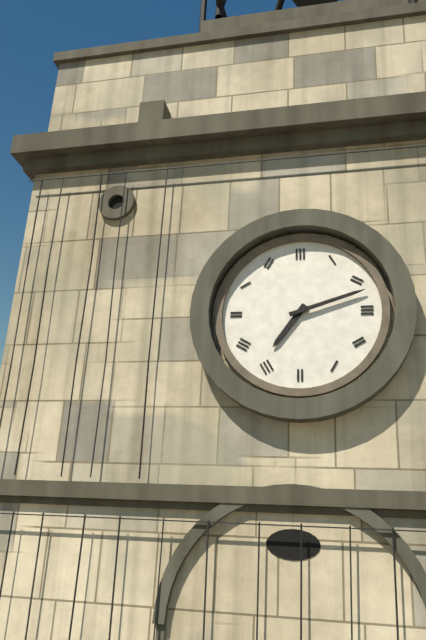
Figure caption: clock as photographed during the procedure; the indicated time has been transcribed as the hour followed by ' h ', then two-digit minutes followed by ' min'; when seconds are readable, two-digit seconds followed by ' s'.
7 h 12 min
